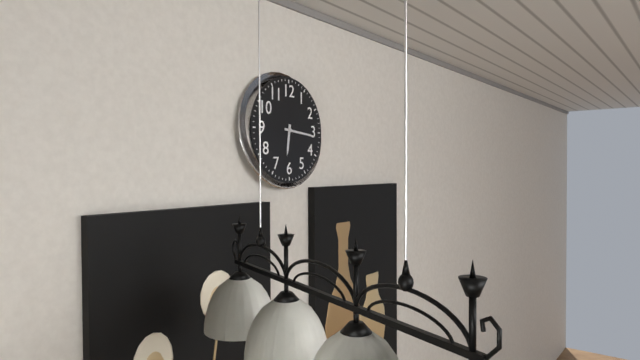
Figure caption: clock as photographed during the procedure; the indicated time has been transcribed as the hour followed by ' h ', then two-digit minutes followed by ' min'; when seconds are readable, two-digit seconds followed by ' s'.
6 h 16 min
